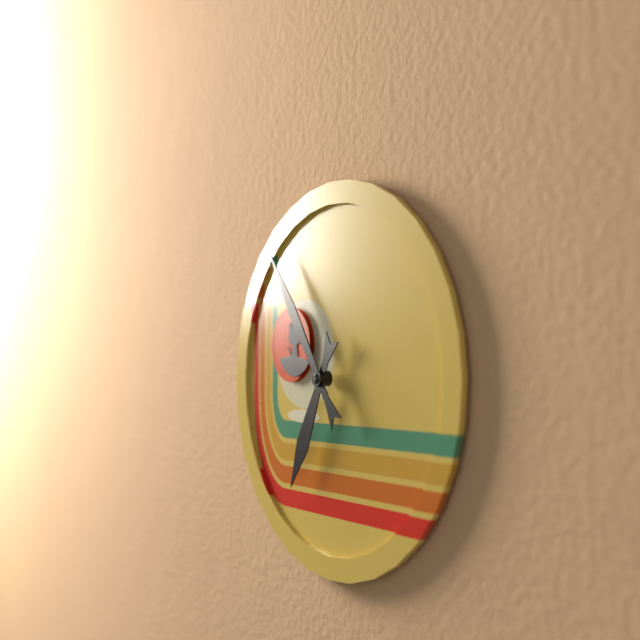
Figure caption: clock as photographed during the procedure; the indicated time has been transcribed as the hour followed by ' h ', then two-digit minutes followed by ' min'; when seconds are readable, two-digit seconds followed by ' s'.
6 h 54 min
